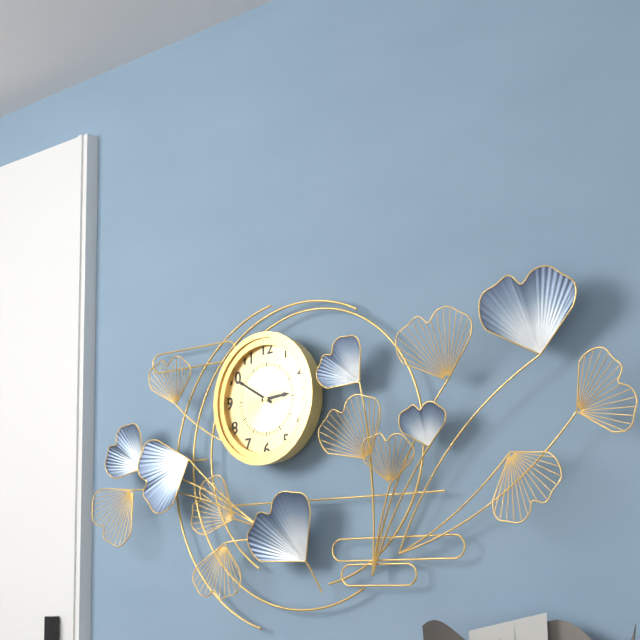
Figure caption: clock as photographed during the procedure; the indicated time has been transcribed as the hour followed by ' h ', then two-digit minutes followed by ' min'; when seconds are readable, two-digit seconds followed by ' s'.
2 h 50 min
